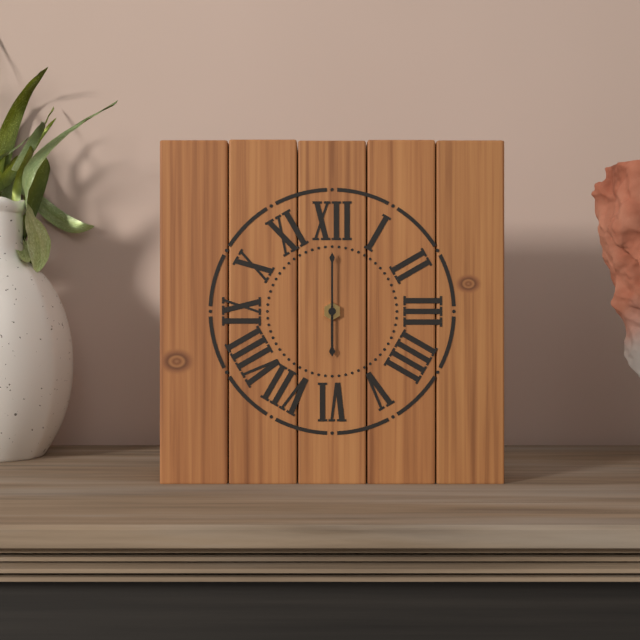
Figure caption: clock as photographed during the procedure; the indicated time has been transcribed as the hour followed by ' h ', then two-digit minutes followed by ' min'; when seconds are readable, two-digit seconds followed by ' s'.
6 h 00 min
